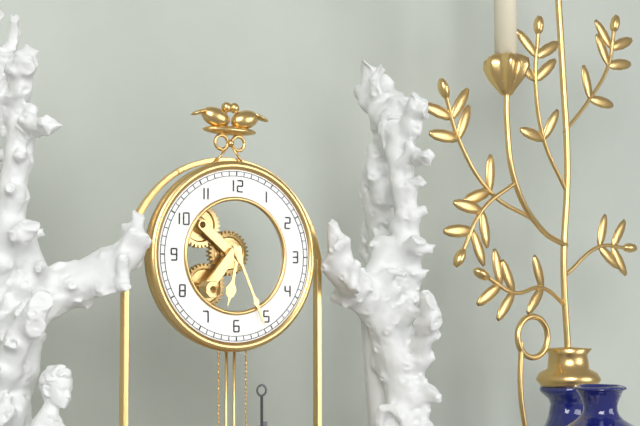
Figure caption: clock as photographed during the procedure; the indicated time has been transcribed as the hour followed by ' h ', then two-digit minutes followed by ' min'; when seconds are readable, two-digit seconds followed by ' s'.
6 h 26 min
